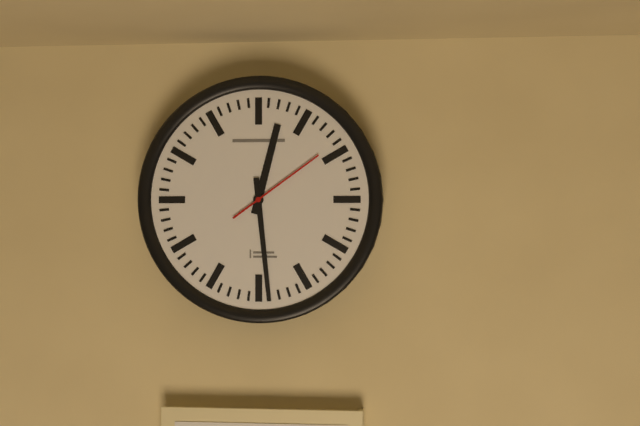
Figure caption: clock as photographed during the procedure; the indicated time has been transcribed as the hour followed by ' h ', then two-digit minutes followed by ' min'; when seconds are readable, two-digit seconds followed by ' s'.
12 h 29 min 09 s
